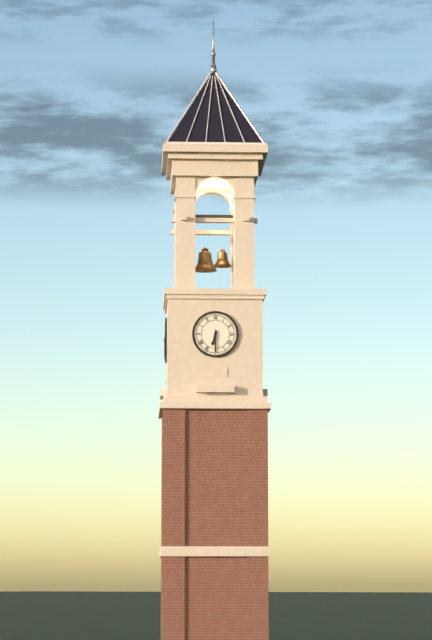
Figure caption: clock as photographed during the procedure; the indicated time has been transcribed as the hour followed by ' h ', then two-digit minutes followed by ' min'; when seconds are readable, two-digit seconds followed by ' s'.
6 h 30 min
